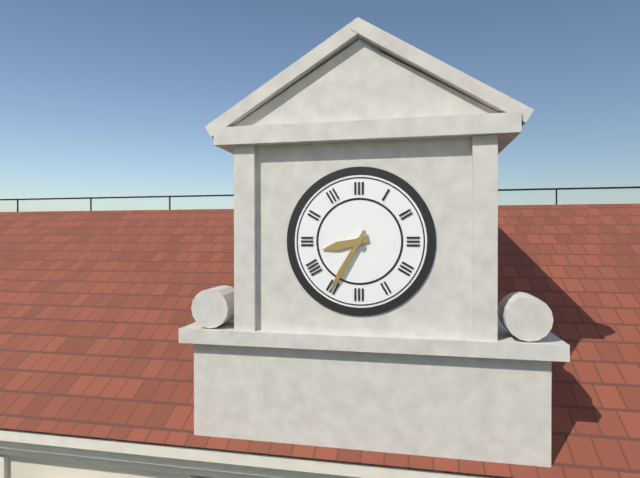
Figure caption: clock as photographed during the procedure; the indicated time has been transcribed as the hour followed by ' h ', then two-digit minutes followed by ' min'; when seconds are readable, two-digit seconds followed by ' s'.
8 h 35 min
